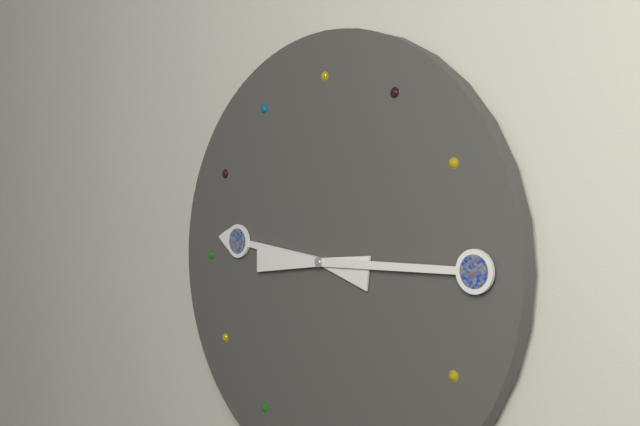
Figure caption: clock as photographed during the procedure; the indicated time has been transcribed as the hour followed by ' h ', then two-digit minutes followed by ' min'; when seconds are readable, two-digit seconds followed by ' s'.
9 h 15 min
